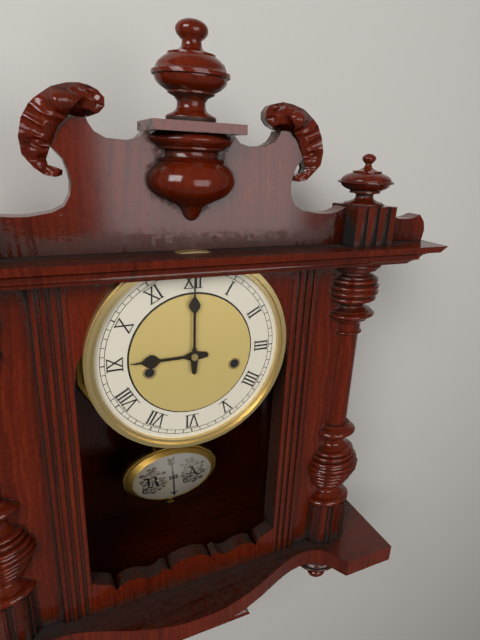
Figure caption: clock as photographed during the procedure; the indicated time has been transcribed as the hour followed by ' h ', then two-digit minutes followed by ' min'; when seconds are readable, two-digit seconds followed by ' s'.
9 h 00 min
